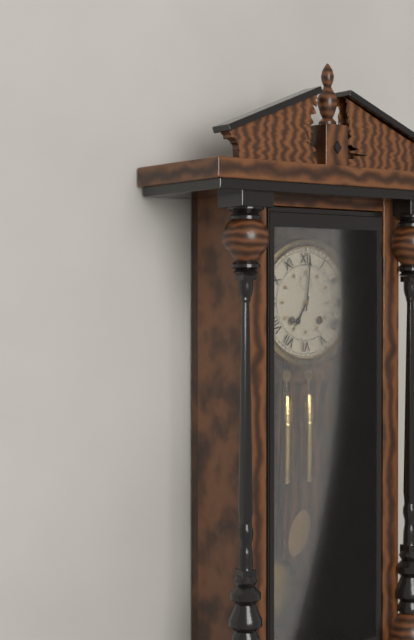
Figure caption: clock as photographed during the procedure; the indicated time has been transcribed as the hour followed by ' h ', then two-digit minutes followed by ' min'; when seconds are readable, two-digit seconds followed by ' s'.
7 h 01 min
